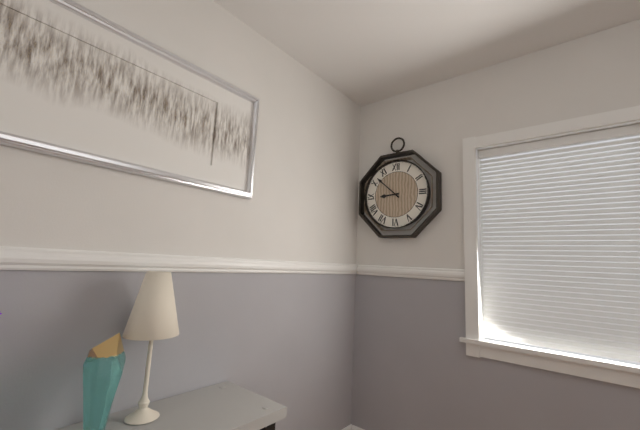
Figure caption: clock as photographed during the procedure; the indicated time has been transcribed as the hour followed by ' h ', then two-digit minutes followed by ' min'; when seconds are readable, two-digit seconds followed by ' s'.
8 h 52 min
